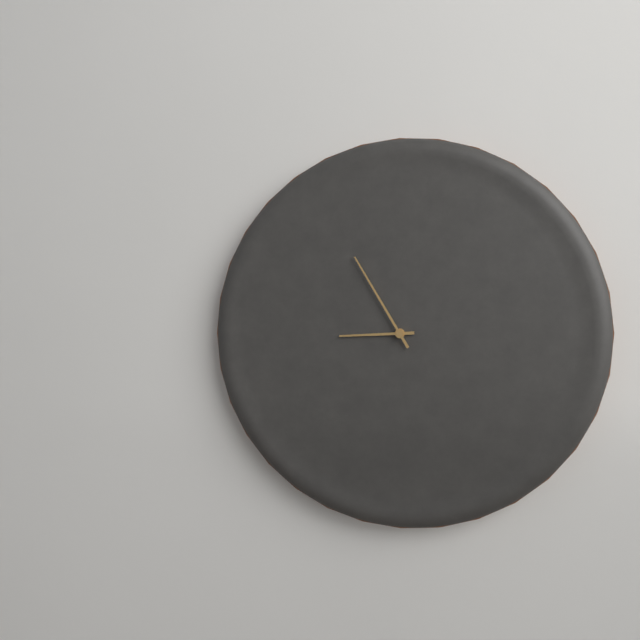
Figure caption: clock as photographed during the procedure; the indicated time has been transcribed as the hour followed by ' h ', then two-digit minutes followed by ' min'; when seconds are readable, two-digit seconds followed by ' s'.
8 h 55 min
